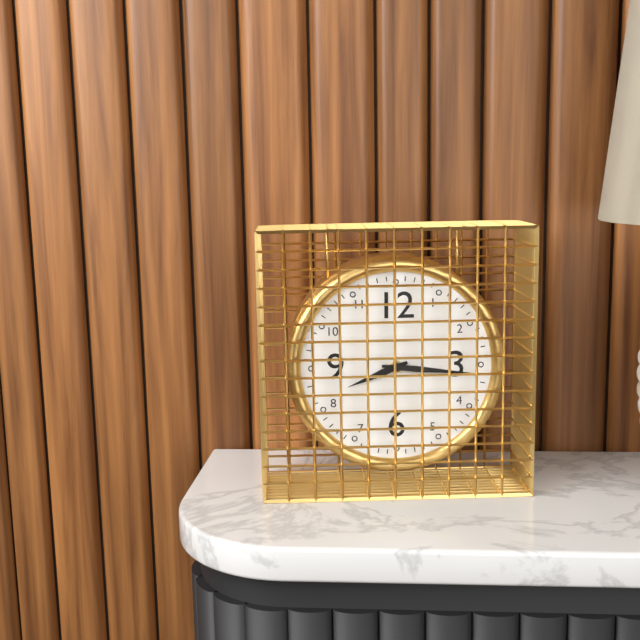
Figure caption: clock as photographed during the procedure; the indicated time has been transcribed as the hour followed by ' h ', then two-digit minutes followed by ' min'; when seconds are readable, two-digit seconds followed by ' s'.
8 h 16 min
